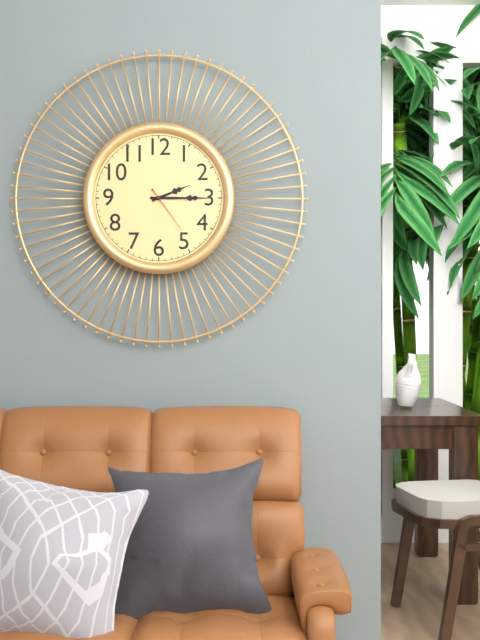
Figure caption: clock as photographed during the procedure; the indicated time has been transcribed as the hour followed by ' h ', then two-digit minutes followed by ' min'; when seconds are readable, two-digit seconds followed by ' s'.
2 h 15 min
